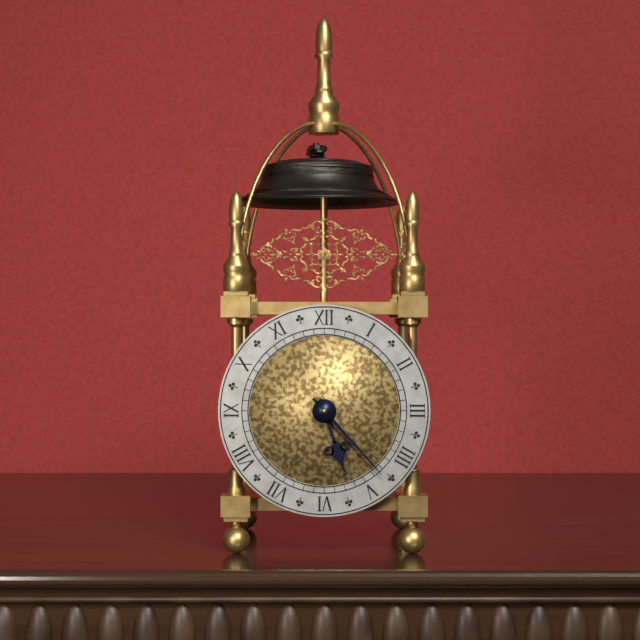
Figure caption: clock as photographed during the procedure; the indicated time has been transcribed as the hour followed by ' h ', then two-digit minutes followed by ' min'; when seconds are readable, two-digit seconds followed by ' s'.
5 h 23 min
